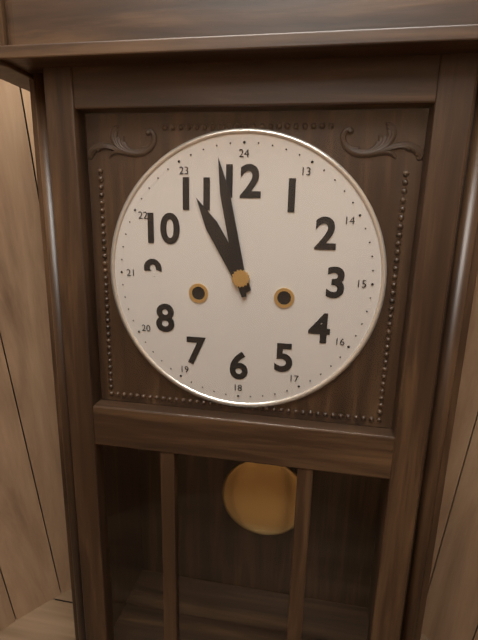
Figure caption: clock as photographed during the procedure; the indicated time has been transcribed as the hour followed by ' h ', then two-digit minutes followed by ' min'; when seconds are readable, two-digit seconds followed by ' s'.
10 h 58 min
